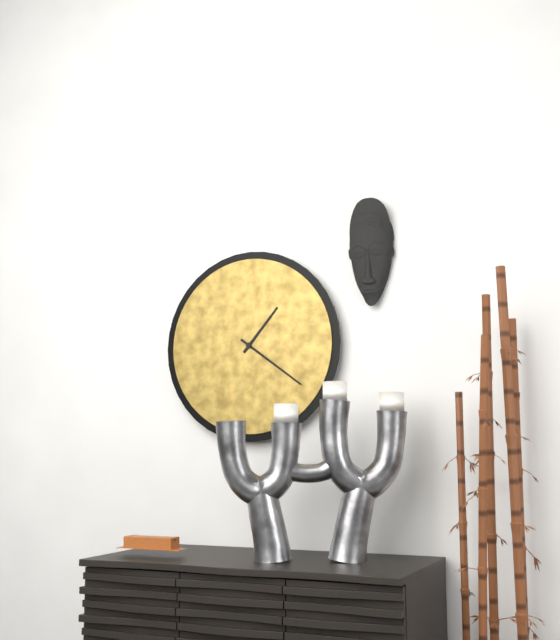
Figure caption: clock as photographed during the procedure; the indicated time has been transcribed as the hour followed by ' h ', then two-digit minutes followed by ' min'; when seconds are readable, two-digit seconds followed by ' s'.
1 h 21 min
